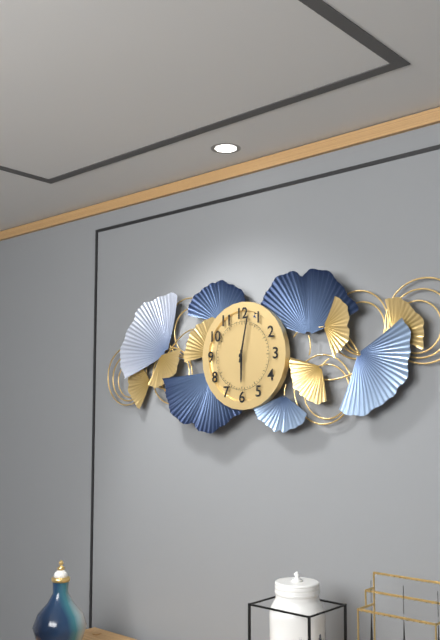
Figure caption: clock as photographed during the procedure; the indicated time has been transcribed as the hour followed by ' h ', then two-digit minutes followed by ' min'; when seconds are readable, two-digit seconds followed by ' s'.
6 h 02 min
